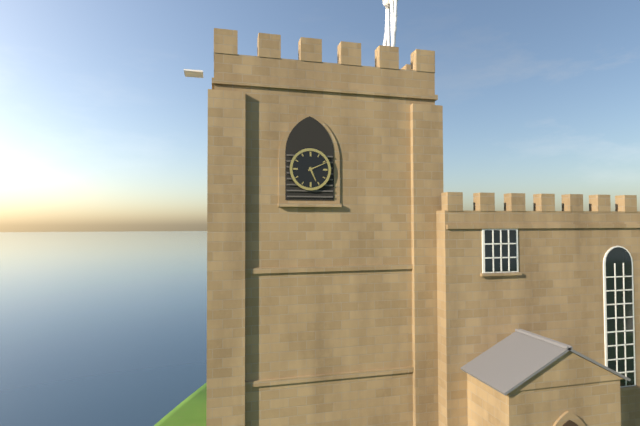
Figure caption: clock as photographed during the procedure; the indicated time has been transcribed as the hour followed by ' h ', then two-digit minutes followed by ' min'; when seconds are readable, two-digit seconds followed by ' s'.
5 h 11 min
